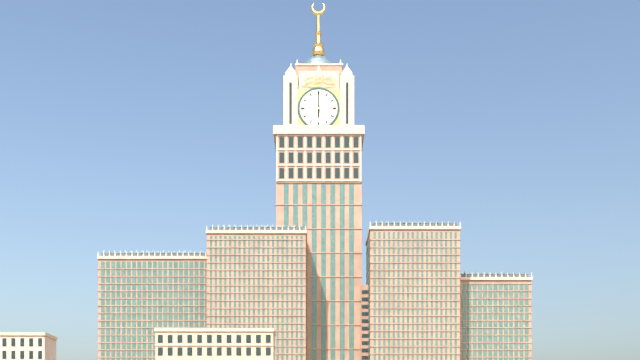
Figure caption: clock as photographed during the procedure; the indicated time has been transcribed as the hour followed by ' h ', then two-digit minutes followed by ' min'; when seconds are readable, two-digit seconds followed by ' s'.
6 h 00 min
